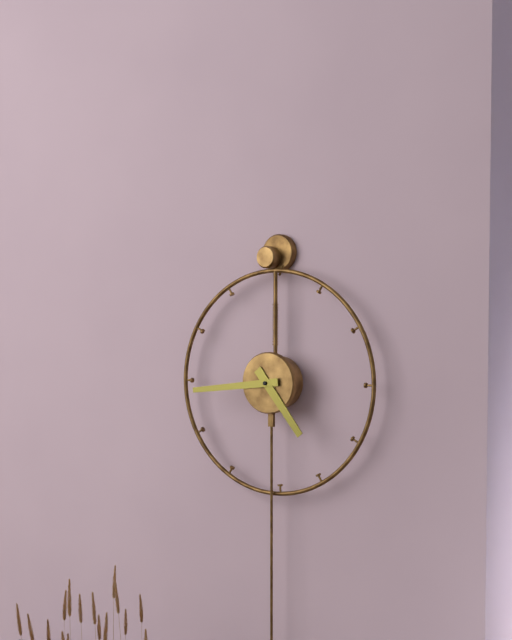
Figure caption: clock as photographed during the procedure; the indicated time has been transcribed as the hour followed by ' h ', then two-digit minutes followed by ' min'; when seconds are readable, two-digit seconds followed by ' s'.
4 h 44 min
